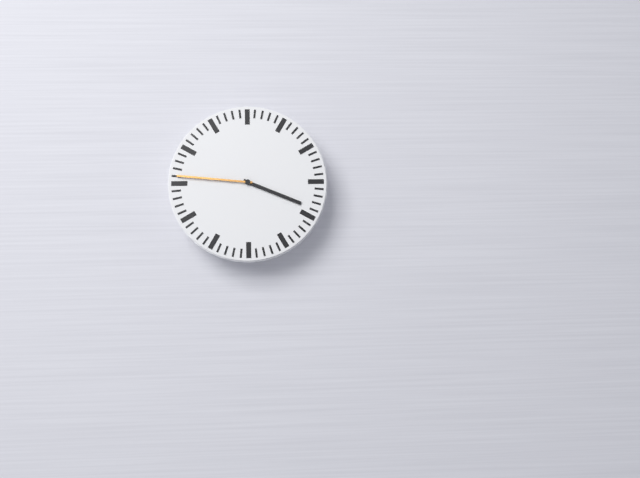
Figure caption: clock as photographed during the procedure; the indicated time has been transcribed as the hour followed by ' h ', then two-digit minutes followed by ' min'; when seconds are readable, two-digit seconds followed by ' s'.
3 h 46 min
